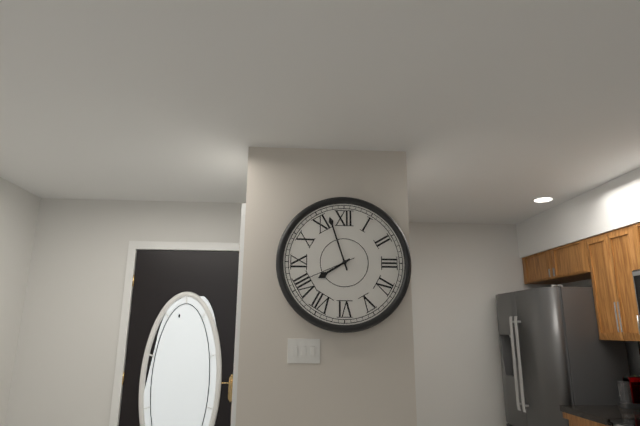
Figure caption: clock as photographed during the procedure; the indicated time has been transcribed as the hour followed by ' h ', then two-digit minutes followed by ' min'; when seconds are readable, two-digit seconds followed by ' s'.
7 h 57 min 41 s
